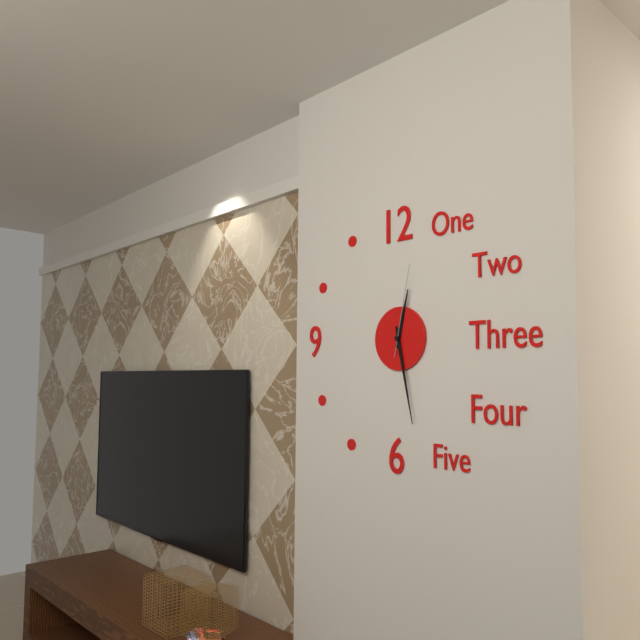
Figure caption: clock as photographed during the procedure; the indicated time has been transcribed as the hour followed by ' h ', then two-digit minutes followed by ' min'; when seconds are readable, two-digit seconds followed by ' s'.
12 h 28 min 02 s
